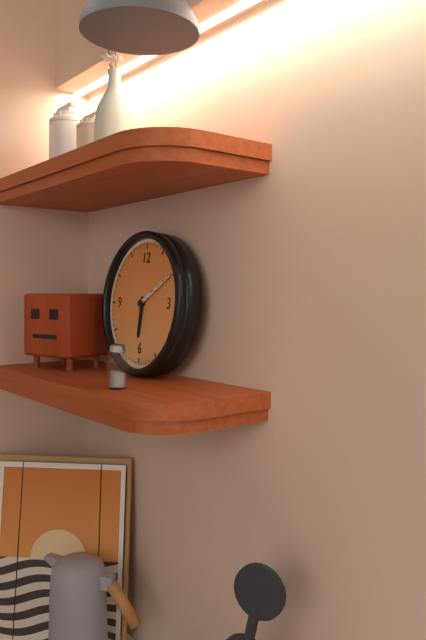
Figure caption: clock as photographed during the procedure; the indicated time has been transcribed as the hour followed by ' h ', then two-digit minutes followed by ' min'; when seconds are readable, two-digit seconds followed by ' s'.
6 h 10 min
